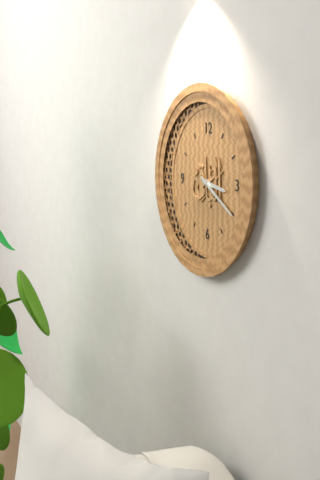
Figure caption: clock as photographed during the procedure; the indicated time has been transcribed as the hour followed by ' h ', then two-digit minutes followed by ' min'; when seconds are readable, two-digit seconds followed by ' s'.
3 h 20 min
